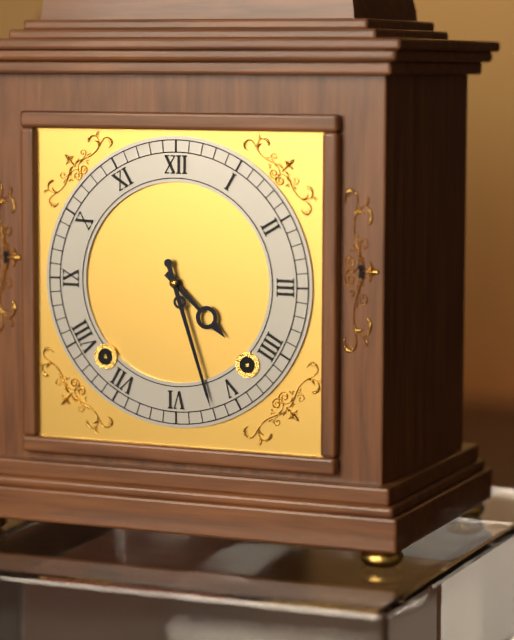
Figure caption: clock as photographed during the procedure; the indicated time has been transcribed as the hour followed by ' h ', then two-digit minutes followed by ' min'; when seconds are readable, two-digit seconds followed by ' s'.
4 h 27 min
